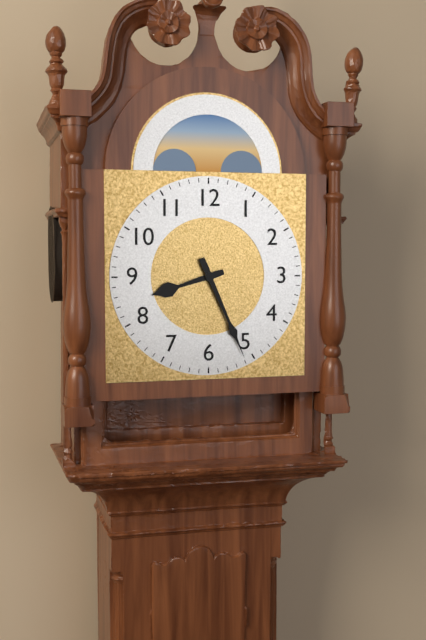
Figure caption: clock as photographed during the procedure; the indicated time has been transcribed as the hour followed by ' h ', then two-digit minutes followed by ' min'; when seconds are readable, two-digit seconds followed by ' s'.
8 h 26 min
